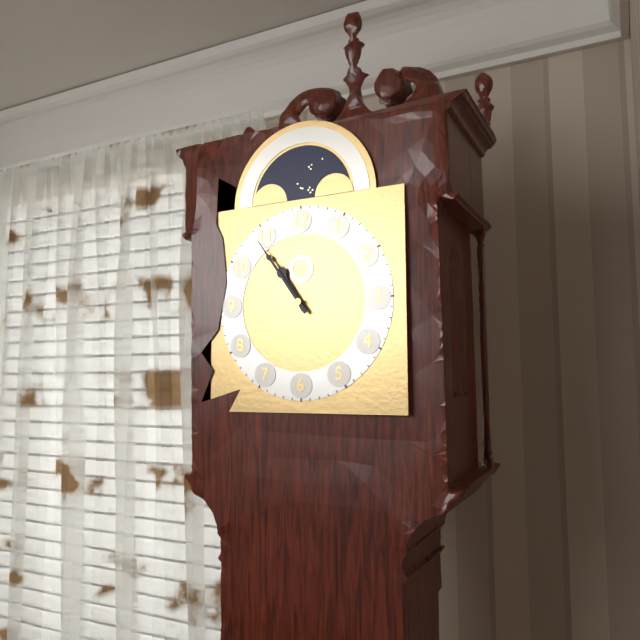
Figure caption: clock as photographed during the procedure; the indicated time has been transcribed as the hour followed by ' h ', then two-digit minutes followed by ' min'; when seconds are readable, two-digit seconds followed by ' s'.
10 h 54 min
